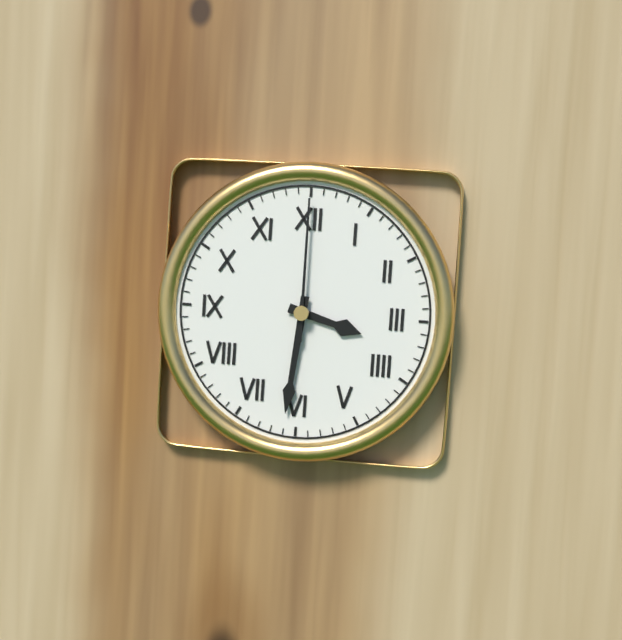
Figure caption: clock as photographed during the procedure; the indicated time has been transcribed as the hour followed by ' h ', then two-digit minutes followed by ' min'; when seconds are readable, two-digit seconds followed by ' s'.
3 h 31 min 00 s
